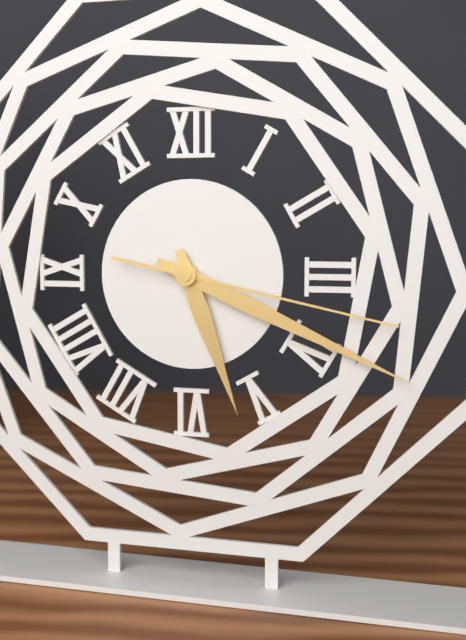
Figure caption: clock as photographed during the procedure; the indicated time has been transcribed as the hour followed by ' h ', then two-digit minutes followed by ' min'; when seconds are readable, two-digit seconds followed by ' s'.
5 h 19 min 17 s
